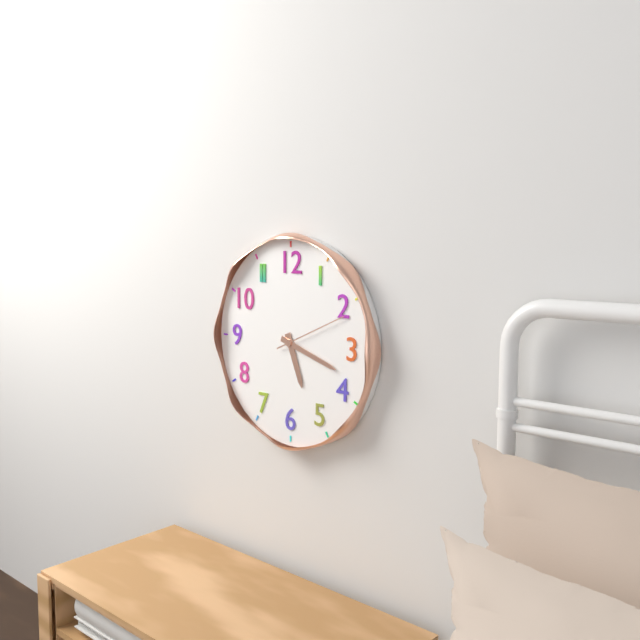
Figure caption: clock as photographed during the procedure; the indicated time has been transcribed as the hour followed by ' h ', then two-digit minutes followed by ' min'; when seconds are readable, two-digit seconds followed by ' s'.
5 h 18 min 11 s
